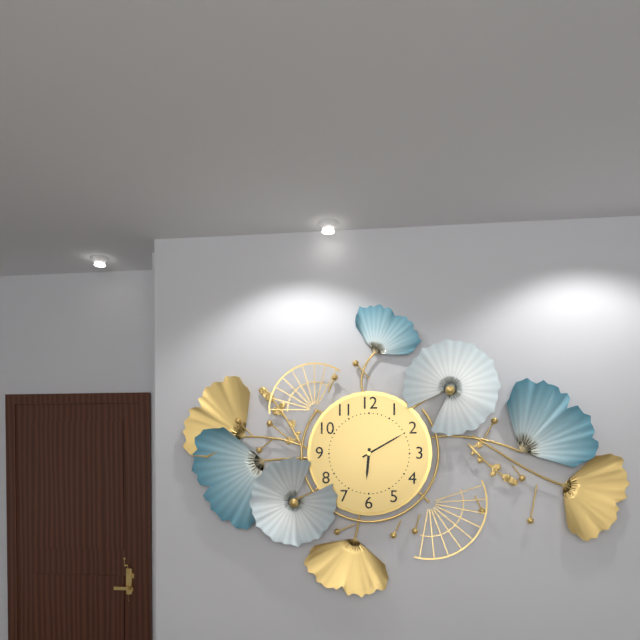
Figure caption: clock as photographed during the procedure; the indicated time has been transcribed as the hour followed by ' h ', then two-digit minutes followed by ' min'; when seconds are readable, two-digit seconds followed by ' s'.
6 h 10 min
